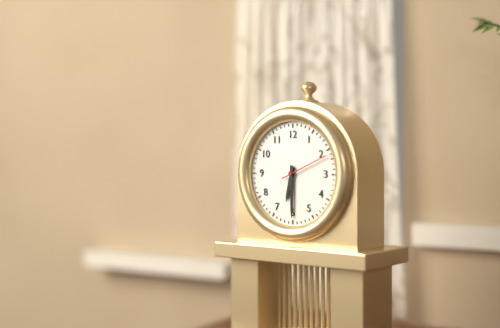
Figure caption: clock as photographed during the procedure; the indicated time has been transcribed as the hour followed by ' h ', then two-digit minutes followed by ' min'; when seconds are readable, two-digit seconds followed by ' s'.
6 h 30 min 11 s
